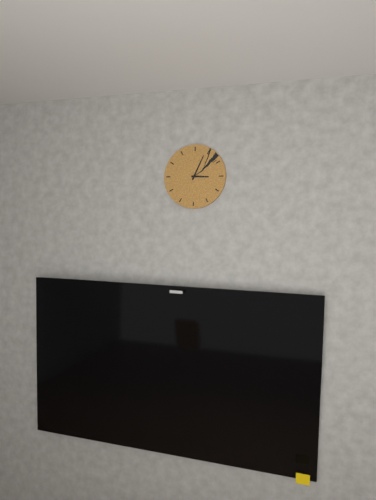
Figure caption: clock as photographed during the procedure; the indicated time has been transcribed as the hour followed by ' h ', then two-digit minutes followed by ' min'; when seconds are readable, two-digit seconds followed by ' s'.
3 h 04 min
